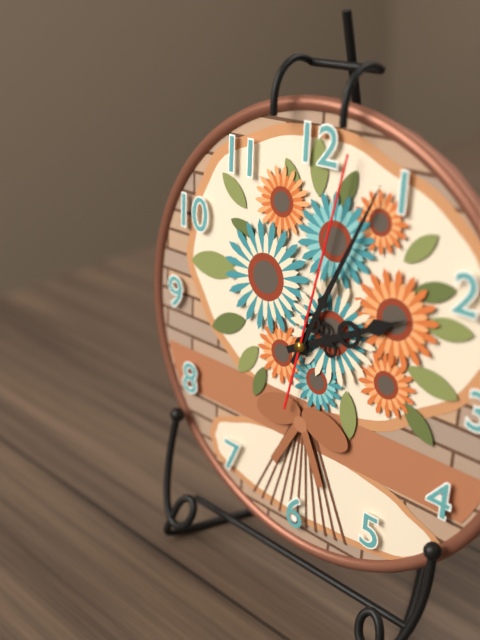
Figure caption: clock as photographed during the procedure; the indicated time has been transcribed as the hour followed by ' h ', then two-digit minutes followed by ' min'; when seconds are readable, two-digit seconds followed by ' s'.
2 h 04 min 02 s
